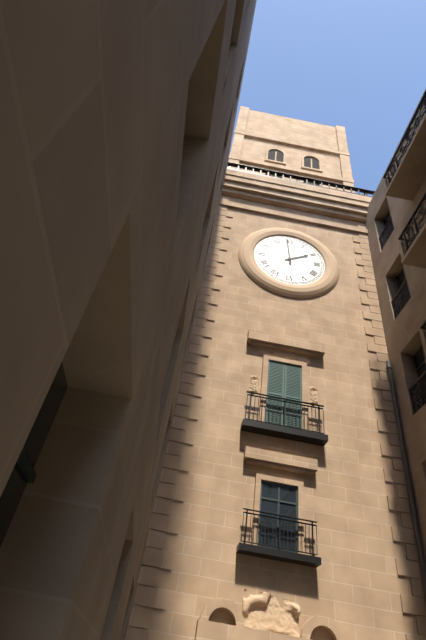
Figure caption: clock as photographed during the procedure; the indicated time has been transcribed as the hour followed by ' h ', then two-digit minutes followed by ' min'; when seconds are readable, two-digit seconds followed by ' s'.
1 h 59 min
